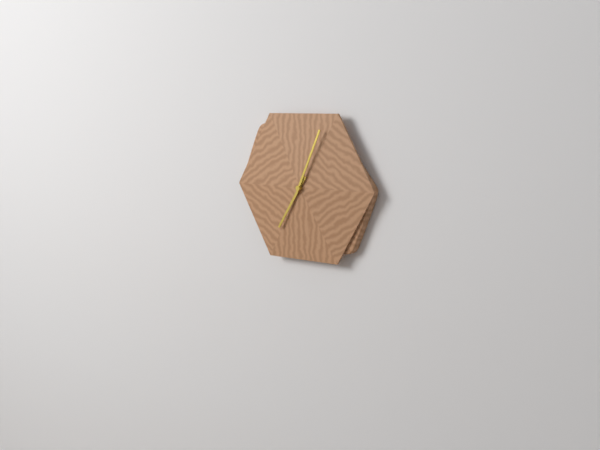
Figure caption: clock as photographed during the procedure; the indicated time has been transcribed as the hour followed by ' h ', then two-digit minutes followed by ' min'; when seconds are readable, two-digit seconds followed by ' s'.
7 h 04 min
